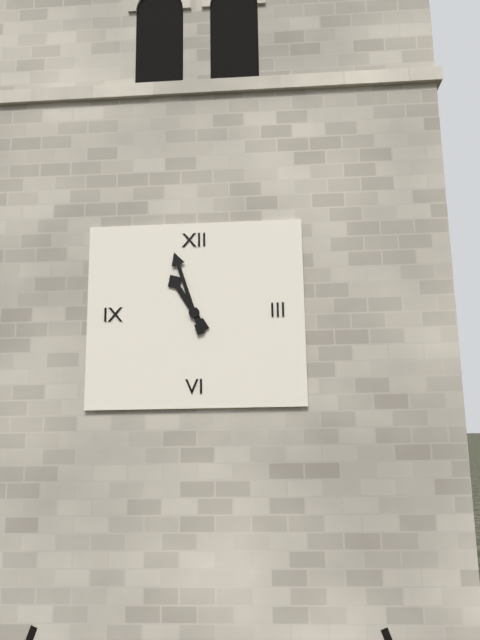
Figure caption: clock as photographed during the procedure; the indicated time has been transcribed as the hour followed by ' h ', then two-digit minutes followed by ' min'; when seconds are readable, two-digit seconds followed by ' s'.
10 h 57 min
